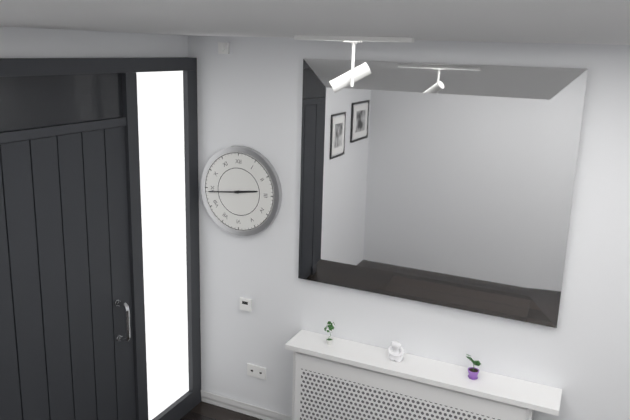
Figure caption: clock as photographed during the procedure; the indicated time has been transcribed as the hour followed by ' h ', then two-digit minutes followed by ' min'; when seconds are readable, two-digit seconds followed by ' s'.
2 h 44 min
